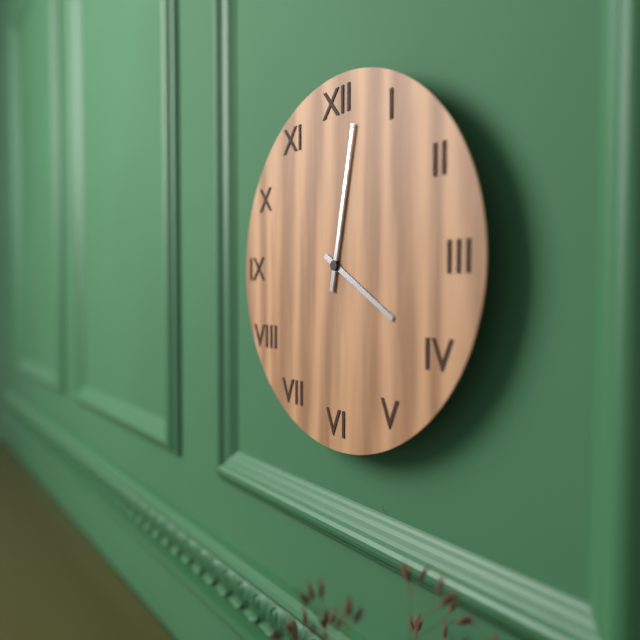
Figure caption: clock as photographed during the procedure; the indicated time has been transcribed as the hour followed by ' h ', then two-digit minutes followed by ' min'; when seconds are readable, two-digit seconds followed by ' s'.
4 h 02 min
